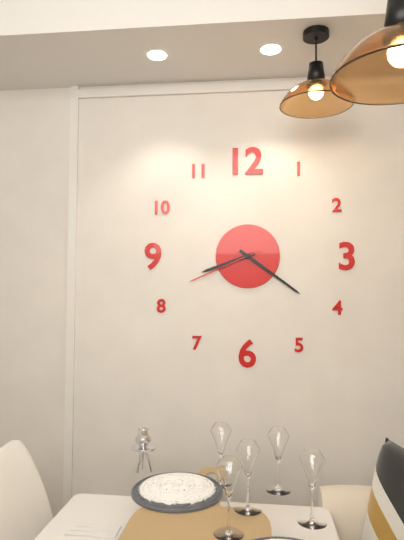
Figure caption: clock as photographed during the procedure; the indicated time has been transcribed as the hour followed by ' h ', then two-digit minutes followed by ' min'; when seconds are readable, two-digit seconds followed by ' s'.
8 h 21 min 41 s
